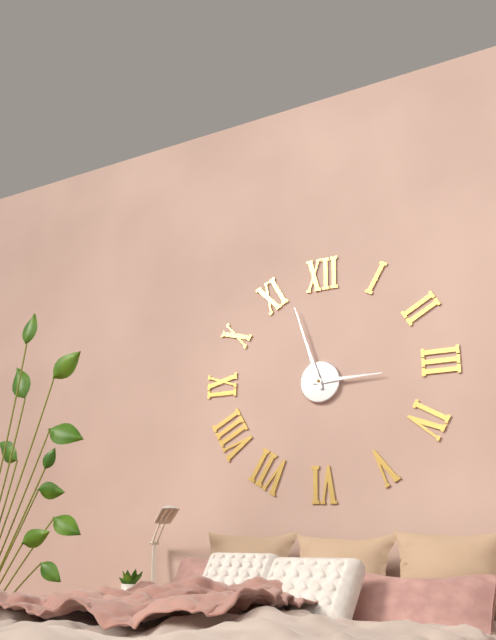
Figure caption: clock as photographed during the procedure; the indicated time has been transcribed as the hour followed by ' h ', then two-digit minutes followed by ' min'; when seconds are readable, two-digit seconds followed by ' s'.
2 h 57 min
